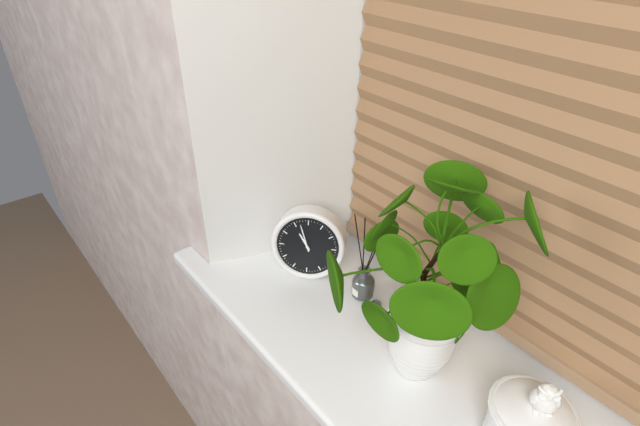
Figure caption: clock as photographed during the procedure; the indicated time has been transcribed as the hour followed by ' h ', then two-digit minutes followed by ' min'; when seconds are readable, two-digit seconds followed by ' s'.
10 h 57 min
